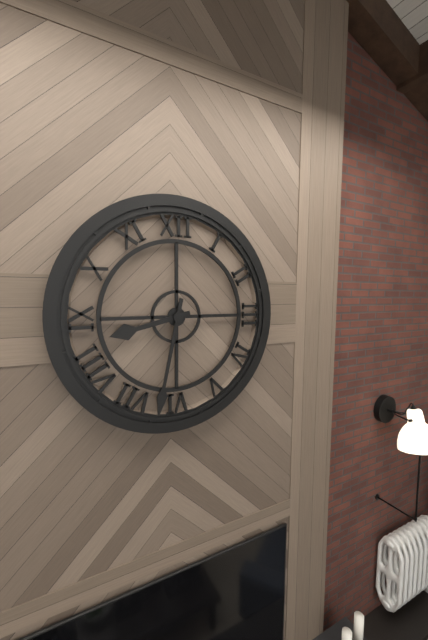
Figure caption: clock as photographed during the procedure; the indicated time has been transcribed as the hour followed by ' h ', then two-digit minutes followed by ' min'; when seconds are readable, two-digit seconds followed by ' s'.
8 h 32 min
